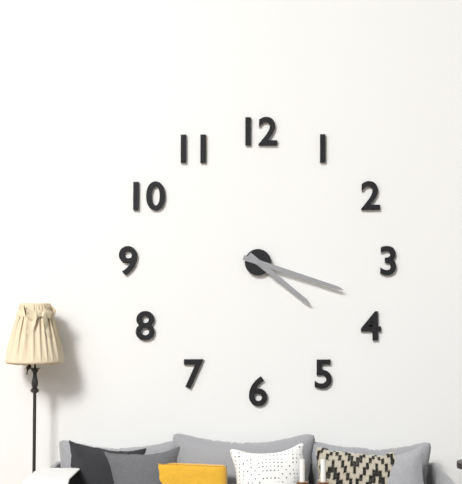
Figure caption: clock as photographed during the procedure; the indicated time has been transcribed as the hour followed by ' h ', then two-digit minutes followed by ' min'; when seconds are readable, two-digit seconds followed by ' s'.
4 h 18 min
